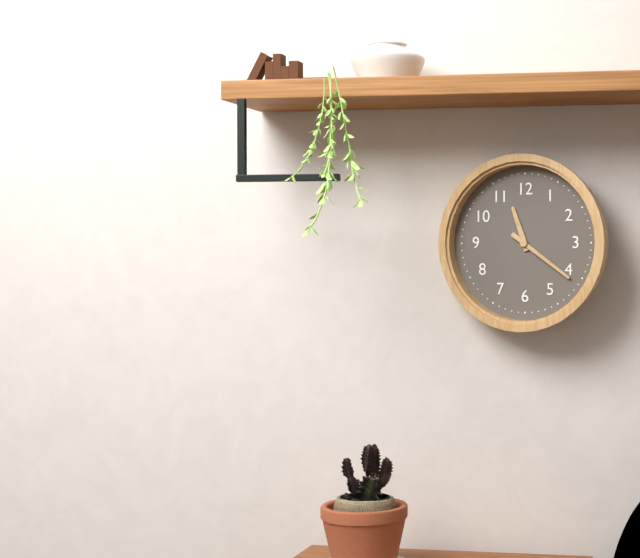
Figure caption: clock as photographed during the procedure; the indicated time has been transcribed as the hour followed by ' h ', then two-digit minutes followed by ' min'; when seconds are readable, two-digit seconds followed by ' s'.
11 h 21 min
